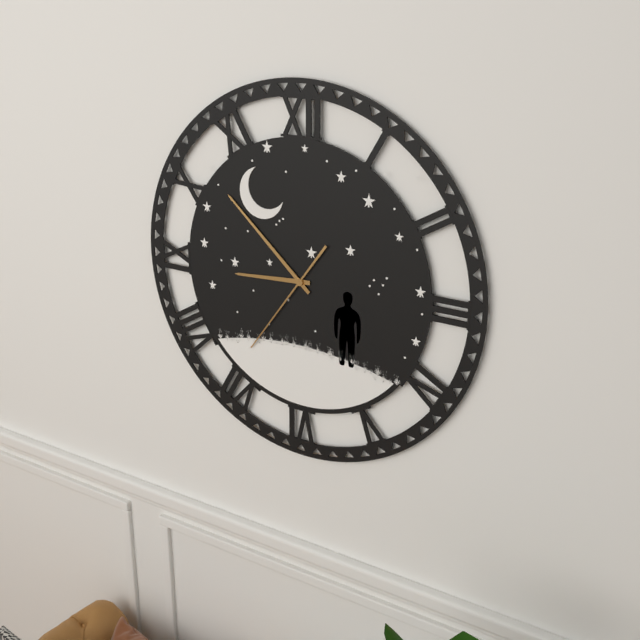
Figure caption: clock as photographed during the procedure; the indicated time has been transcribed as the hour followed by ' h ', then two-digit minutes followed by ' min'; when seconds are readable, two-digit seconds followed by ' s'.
8 h 52 min 36 s
